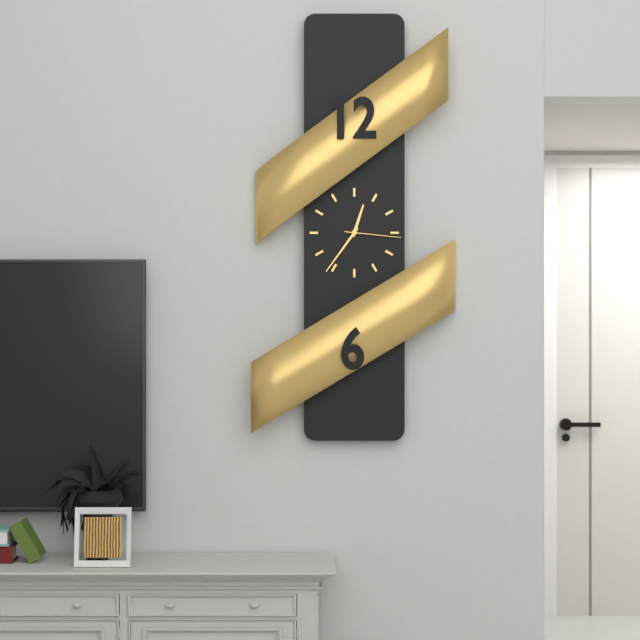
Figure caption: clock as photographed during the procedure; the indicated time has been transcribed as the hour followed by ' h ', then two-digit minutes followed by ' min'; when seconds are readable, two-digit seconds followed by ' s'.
12 h 36 min 16 s
